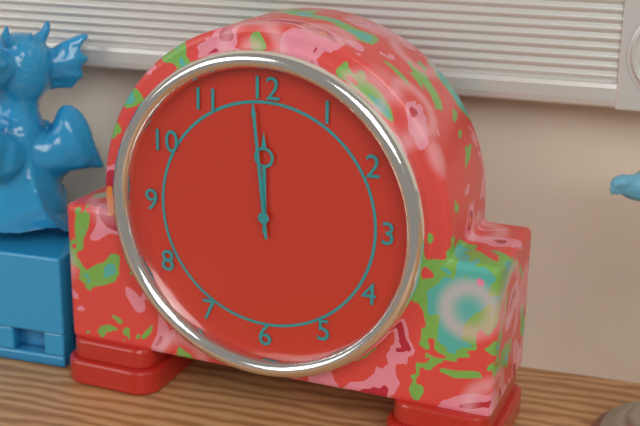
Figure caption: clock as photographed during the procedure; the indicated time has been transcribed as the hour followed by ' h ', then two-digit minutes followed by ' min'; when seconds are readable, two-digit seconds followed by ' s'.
11 h 59 min
